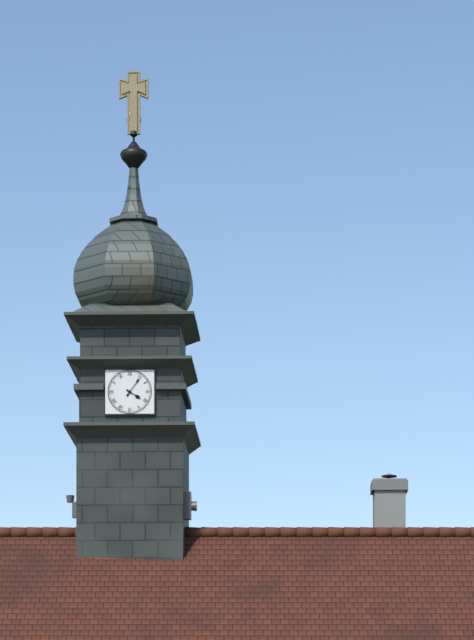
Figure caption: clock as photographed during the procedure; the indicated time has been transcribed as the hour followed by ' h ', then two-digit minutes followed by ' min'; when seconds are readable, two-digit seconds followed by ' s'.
4 h 06 min
